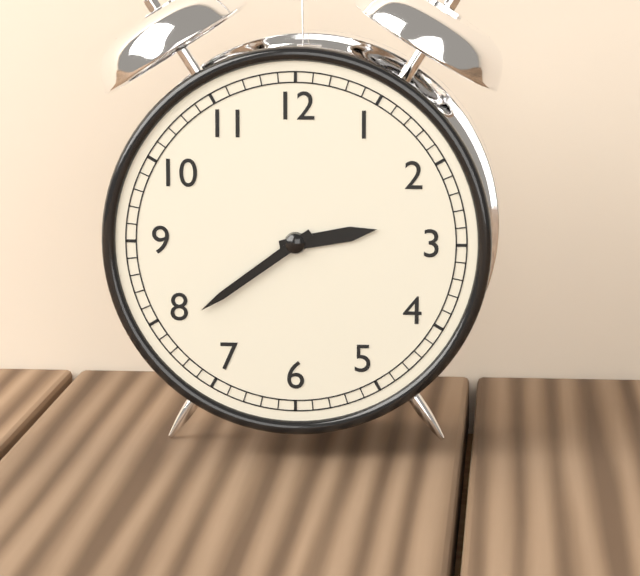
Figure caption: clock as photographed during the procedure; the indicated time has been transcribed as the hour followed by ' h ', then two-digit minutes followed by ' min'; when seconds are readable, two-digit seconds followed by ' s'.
2 h 39 min
